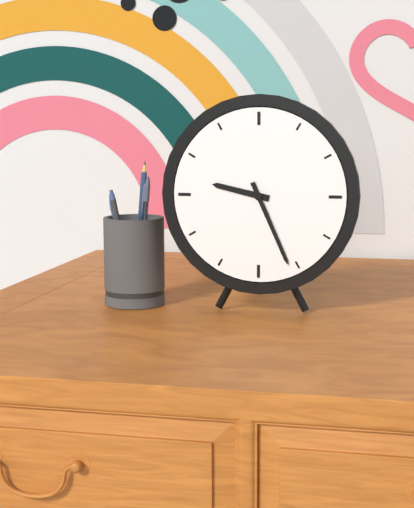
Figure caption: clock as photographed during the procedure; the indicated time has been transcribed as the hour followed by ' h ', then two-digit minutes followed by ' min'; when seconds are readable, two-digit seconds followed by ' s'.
9 h 26 min
